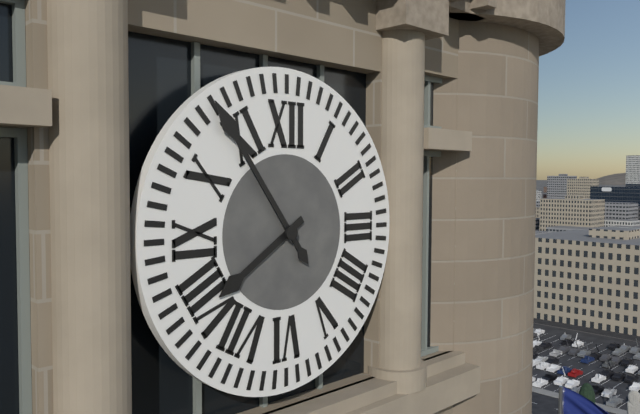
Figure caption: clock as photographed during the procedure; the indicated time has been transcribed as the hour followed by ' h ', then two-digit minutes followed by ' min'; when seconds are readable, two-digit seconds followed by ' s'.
7 h 54 min
